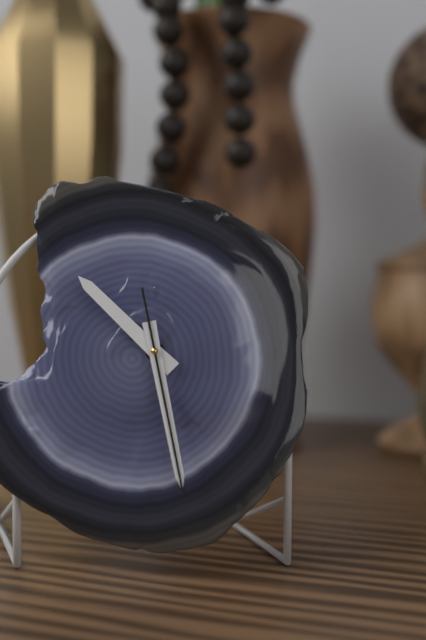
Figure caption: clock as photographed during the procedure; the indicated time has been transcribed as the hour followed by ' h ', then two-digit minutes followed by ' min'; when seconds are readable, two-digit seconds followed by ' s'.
10 h 28 min 28 s
